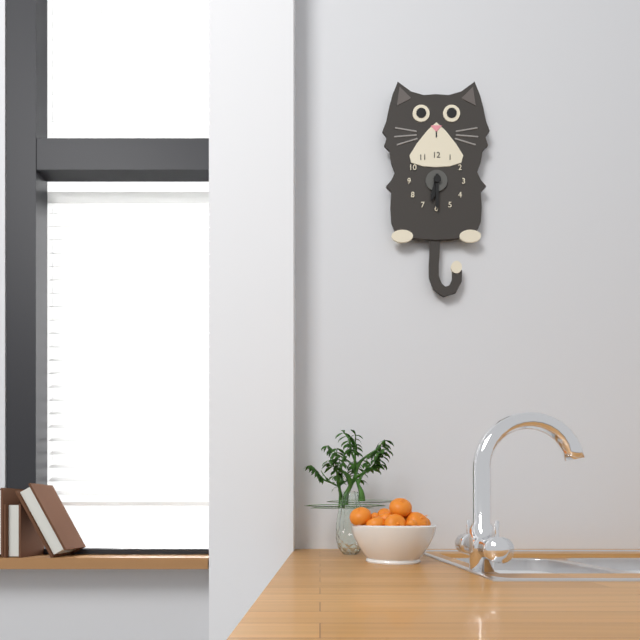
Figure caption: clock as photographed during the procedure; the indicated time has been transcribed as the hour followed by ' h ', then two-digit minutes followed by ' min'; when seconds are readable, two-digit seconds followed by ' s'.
6 h 30 min
